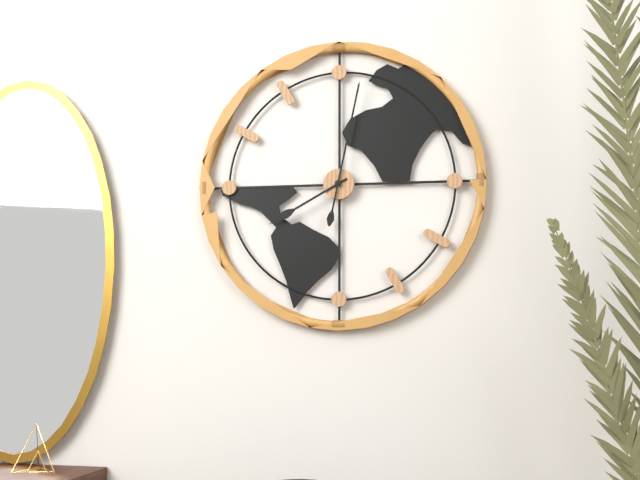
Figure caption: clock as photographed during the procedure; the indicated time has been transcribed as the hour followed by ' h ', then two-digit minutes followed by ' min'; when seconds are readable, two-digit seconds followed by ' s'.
8 h 02 min
